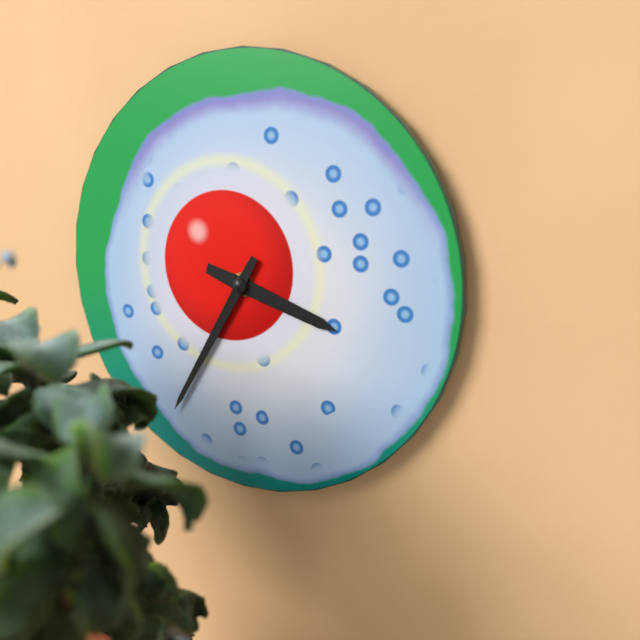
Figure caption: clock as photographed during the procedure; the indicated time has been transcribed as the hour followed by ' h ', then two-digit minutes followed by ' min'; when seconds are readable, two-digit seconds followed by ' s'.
3 h 35 min
